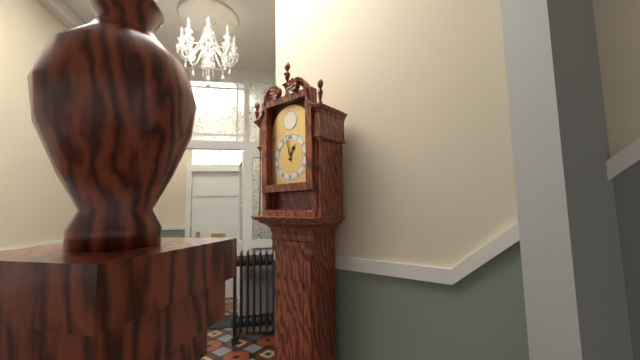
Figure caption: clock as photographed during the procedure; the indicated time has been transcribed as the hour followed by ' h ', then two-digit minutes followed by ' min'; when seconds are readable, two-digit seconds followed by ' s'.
12 h 58 min
